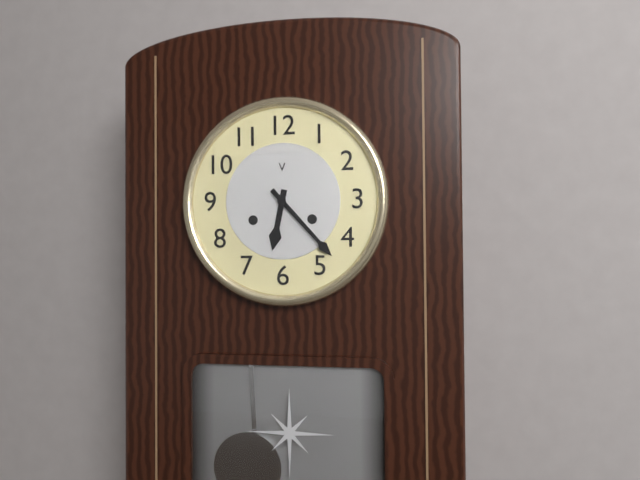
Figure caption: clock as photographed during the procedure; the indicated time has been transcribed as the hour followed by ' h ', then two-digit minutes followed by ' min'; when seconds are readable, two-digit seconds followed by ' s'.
6 h 23 min
